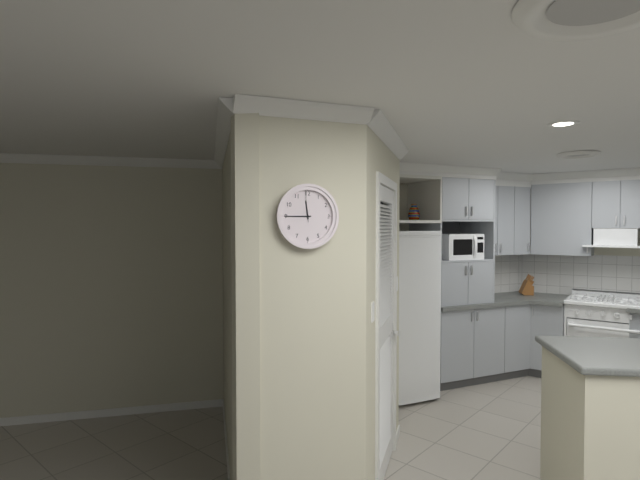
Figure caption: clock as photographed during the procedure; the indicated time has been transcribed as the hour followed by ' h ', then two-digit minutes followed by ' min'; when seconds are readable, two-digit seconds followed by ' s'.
11 h 45 min
